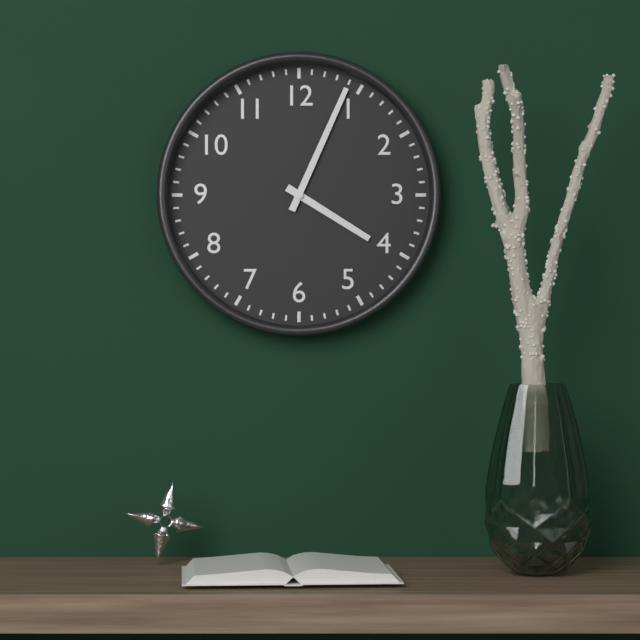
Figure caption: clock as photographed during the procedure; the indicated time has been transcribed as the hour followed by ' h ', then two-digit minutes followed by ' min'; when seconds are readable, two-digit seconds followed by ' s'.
4 h 04 min
